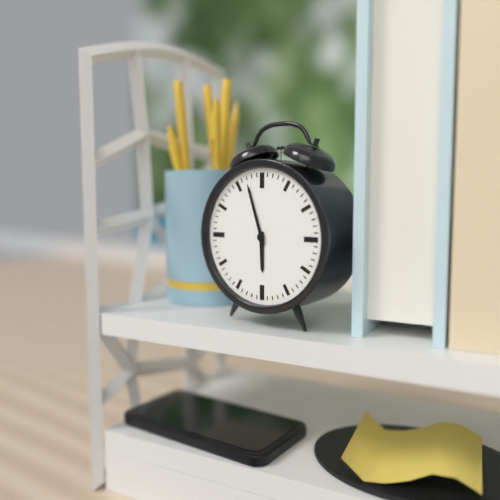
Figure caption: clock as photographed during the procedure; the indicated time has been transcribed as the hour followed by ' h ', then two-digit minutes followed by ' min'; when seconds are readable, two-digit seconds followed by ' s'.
5 h 57 min
